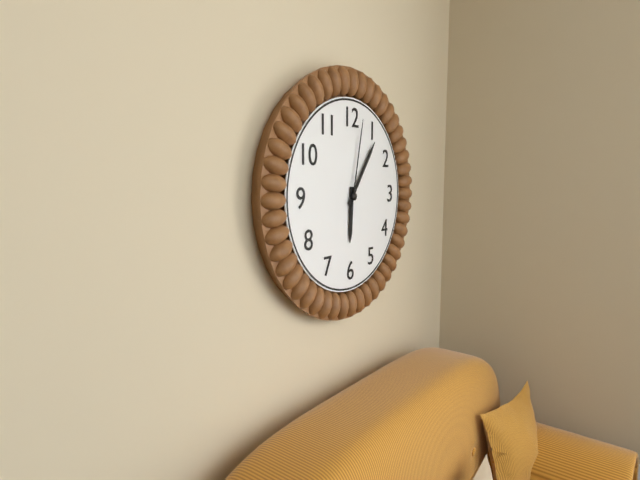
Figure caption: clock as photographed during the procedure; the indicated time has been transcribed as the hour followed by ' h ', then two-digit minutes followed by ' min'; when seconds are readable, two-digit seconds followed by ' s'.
6 h 06 min 02 s
